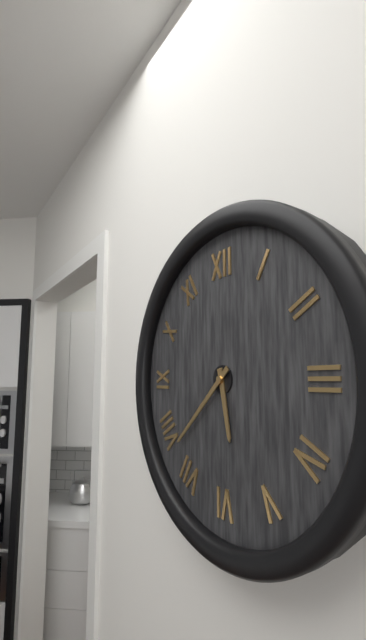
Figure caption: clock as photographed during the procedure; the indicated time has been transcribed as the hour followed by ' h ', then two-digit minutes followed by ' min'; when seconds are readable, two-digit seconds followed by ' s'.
5 h 38 min
